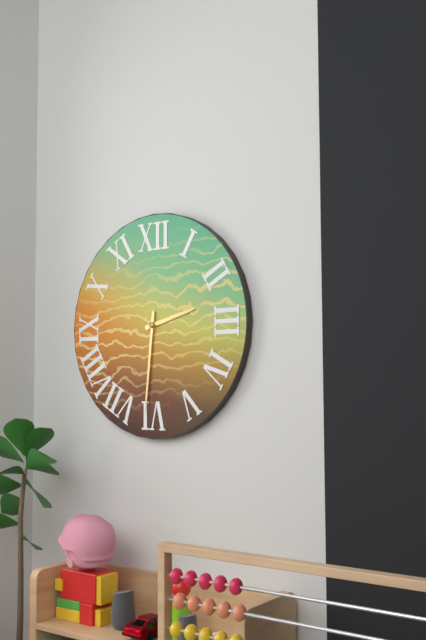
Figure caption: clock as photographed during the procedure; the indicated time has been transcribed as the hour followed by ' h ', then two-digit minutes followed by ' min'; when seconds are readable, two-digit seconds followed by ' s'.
2 h 31 min
